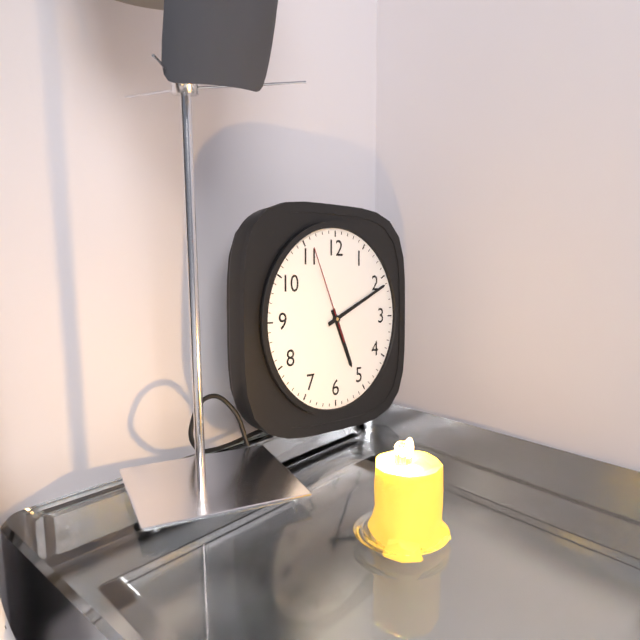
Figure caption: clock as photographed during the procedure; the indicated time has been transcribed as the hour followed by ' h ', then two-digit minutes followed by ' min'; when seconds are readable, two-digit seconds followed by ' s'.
5 h 11 min 56 s
